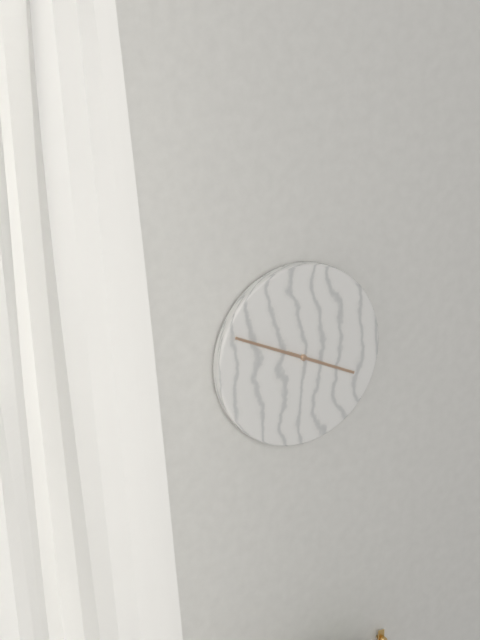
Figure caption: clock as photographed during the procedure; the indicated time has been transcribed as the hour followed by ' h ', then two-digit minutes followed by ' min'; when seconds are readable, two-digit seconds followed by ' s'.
3 h 49 min
